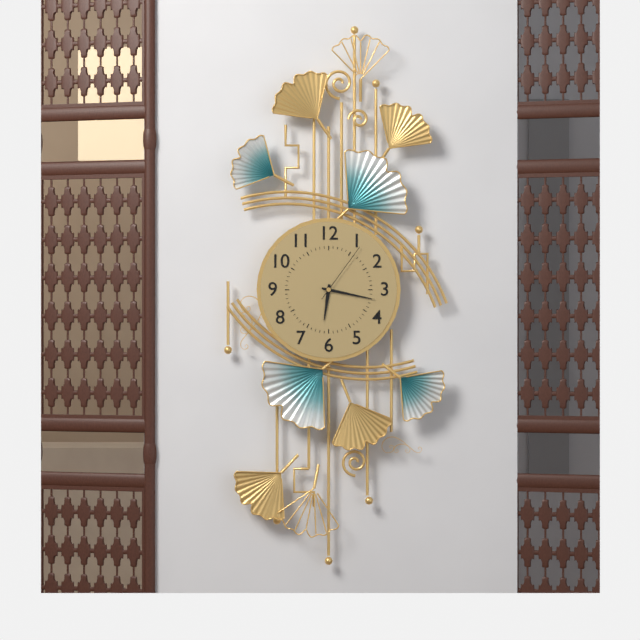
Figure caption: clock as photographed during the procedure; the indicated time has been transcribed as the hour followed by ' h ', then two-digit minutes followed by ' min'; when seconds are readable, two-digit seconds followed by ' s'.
6 h 17 min 06 s
